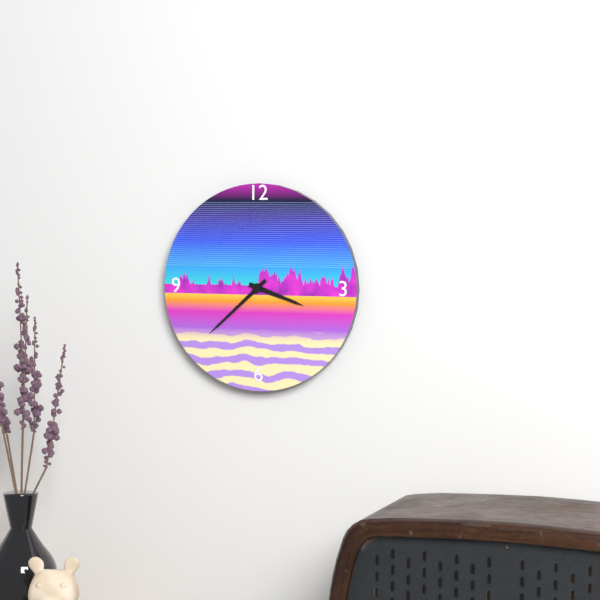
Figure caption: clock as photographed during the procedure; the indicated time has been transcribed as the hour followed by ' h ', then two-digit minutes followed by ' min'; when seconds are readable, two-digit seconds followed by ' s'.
3 h 38 min
